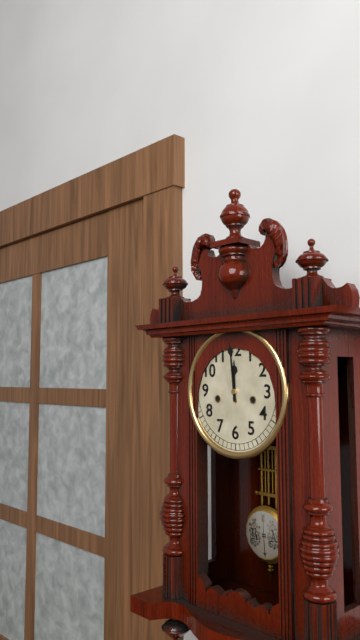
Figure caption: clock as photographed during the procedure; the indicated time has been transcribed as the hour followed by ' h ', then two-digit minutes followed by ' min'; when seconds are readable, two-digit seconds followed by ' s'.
11 h 59 min
